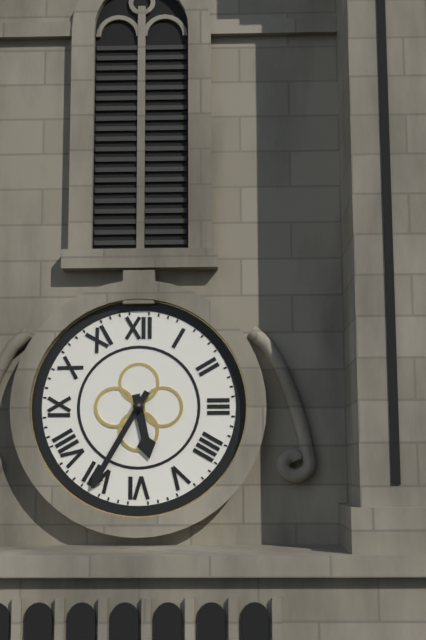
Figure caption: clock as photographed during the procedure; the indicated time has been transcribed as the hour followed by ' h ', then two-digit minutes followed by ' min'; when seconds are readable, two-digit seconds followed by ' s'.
5 h 35 min
